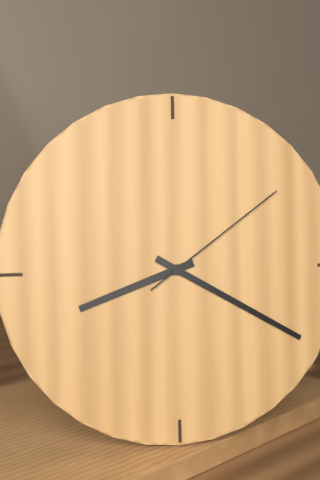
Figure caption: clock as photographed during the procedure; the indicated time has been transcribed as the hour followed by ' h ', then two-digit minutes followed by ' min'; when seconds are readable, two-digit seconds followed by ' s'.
8 h 20 min 09 s
